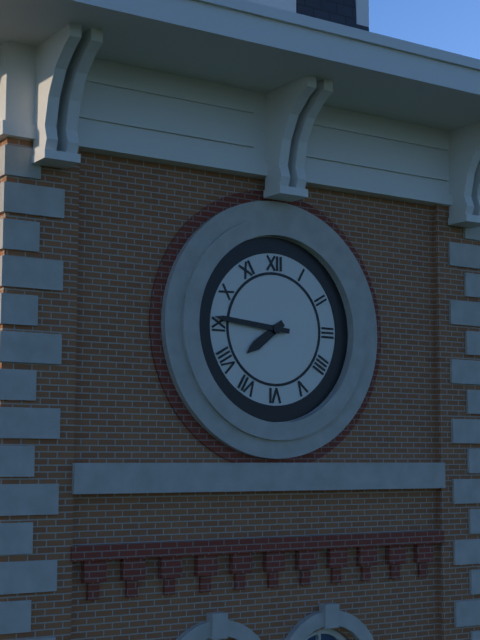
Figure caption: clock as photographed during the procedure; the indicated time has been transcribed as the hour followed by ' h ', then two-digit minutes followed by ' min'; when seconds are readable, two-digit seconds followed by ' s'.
7 h 46 min
